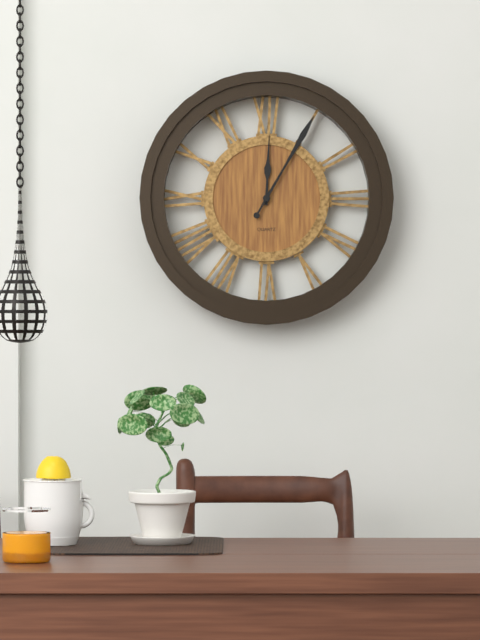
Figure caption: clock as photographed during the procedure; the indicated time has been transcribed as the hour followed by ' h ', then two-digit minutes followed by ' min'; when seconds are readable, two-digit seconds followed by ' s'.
12 h 05 min
